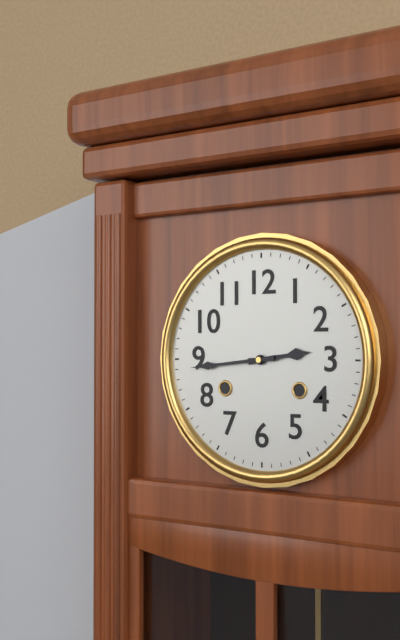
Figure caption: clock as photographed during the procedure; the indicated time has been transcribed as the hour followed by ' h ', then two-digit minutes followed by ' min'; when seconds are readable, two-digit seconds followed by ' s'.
2 h 44 min
